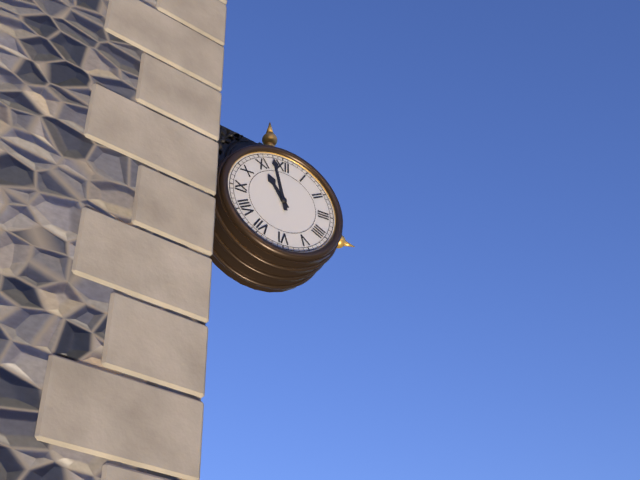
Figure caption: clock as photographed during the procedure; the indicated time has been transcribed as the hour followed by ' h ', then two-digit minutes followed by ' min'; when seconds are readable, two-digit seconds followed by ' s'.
10 h 58 min
